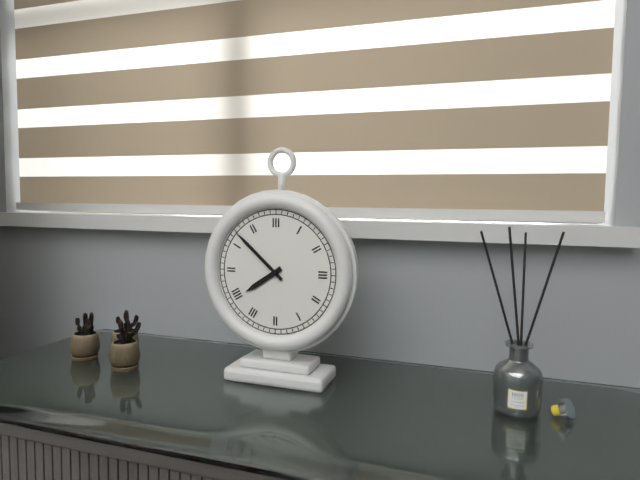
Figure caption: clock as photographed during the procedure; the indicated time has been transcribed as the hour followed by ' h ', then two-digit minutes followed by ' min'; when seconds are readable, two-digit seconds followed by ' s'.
7 h 52 min
